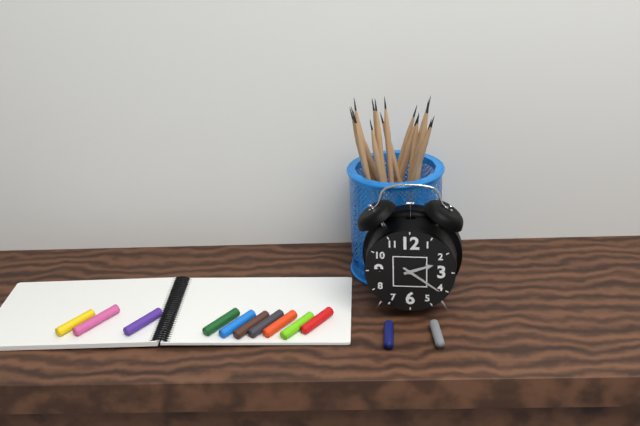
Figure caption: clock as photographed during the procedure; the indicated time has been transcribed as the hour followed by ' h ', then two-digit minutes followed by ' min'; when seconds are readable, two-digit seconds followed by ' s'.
2 h 21 min
